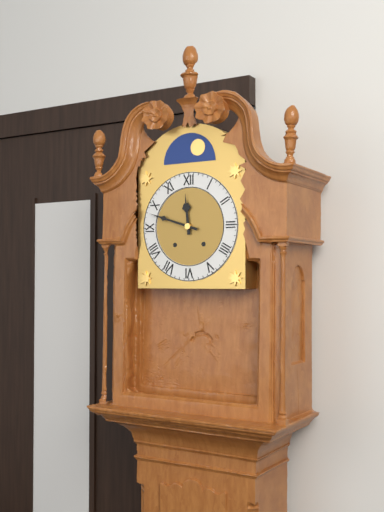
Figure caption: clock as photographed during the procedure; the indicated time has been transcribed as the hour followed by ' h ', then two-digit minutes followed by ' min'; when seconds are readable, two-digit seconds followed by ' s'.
11 h 48 min
